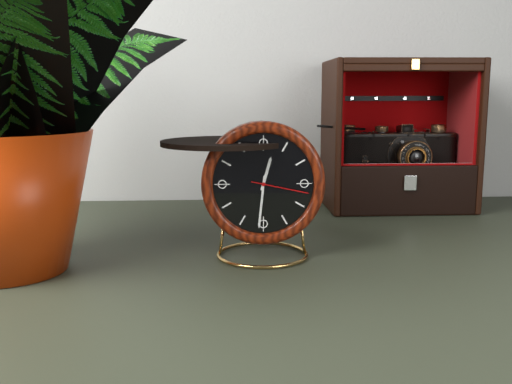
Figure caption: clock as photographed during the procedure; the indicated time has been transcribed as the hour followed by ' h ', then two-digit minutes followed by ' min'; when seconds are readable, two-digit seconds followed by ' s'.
12 h 31 min 17 s
